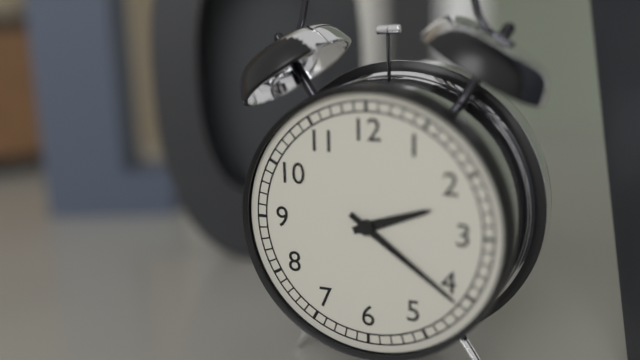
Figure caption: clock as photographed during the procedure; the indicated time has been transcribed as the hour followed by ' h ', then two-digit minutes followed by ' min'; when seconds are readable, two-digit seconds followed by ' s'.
2 h 21 min
